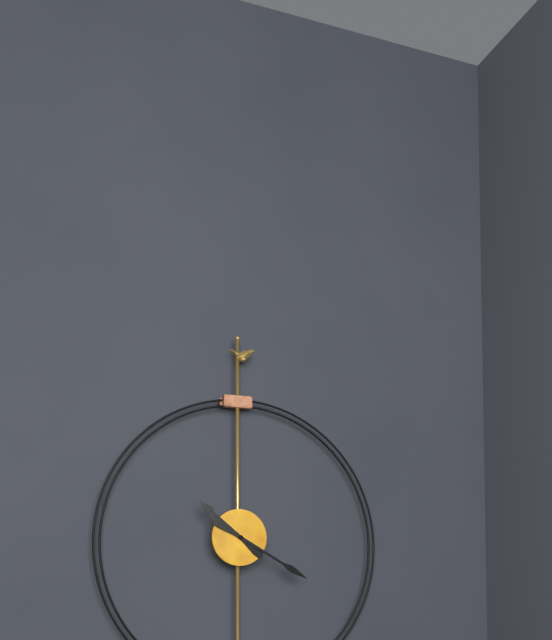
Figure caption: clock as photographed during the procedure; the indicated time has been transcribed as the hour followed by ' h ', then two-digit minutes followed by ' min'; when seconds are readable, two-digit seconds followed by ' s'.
10 h 20 min
